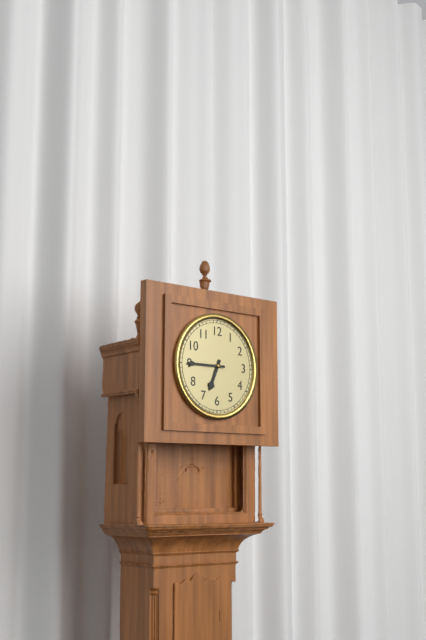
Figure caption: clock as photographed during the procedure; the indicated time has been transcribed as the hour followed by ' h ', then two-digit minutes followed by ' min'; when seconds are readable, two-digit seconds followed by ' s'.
6 h 45 min
